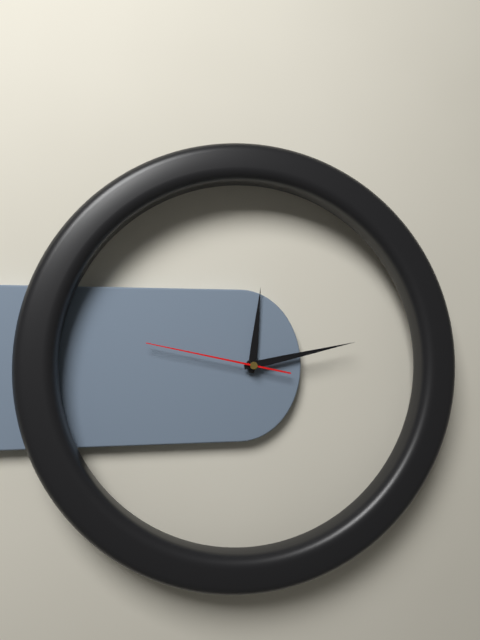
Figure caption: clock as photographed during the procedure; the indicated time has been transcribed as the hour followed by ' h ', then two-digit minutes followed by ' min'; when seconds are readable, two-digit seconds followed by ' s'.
12 h 13 min 47 s
